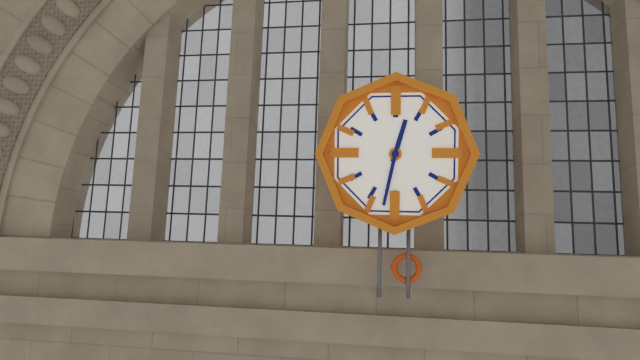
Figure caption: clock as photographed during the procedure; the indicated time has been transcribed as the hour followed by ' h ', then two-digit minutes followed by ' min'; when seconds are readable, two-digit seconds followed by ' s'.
12 h 32 min
